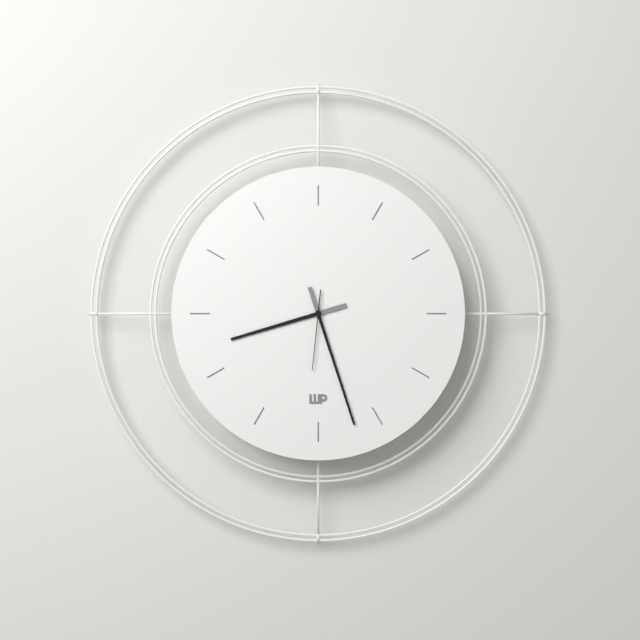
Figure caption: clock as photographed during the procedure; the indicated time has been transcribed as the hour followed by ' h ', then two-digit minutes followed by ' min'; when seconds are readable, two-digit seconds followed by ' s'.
8 h 27 min 31 s
